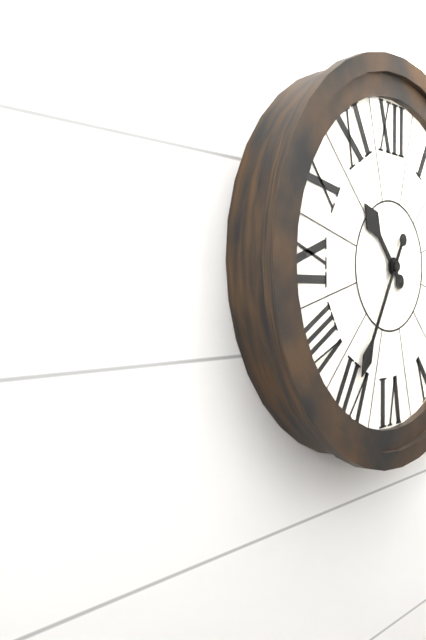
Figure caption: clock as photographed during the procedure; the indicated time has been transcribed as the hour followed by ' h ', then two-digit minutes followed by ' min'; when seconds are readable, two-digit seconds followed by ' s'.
10 h 35 min
